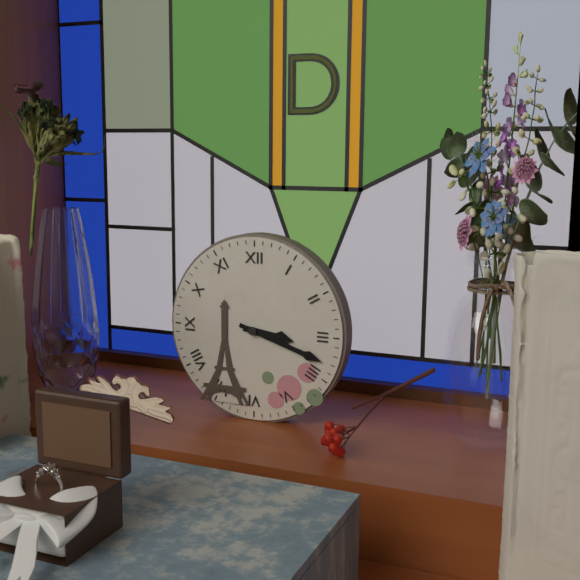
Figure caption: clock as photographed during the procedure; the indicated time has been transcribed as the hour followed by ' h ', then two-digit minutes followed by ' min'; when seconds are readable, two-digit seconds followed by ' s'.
3 h 18 min
